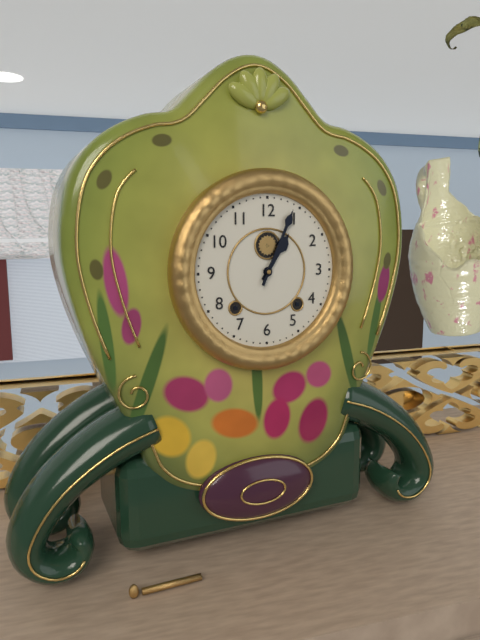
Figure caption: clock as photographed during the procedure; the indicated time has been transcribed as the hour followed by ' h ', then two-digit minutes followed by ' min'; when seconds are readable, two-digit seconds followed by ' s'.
1 h 04 min
